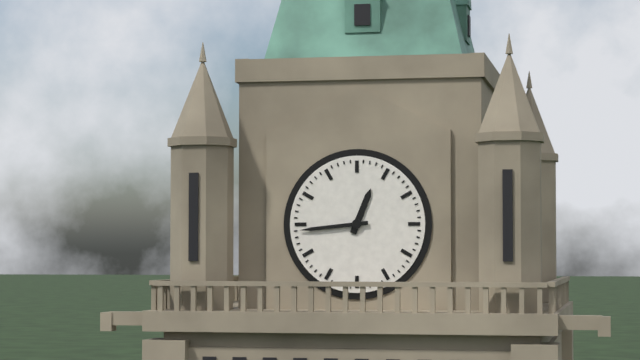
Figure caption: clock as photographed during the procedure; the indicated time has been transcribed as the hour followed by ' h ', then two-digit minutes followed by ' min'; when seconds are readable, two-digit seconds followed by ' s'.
12 h 44 min
